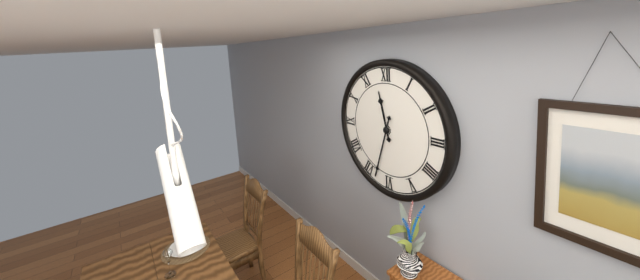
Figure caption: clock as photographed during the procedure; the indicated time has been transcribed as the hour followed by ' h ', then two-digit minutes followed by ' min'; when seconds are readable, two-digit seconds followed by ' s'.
11 h 33 min
